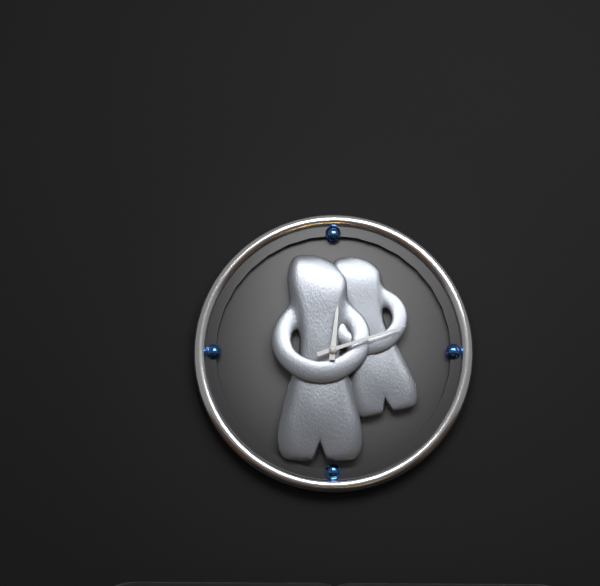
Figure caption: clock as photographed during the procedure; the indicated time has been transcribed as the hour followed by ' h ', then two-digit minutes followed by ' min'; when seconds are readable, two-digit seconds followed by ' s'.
12 h 12 min
